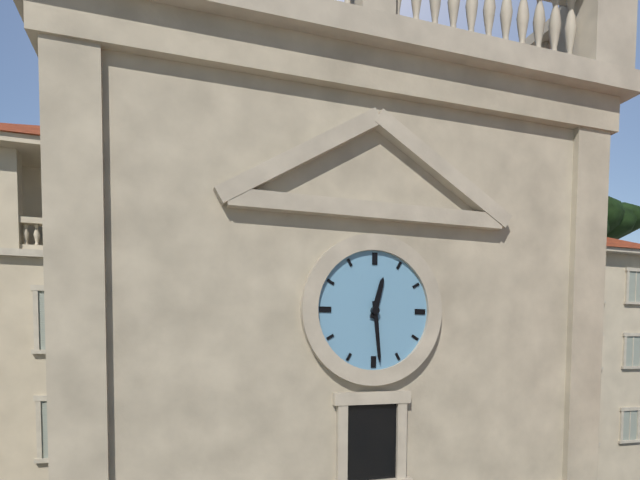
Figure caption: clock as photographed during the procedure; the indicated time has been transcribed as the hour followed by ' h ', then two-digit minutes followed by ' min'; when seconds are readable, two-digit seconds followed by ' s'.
12 h 29 min
